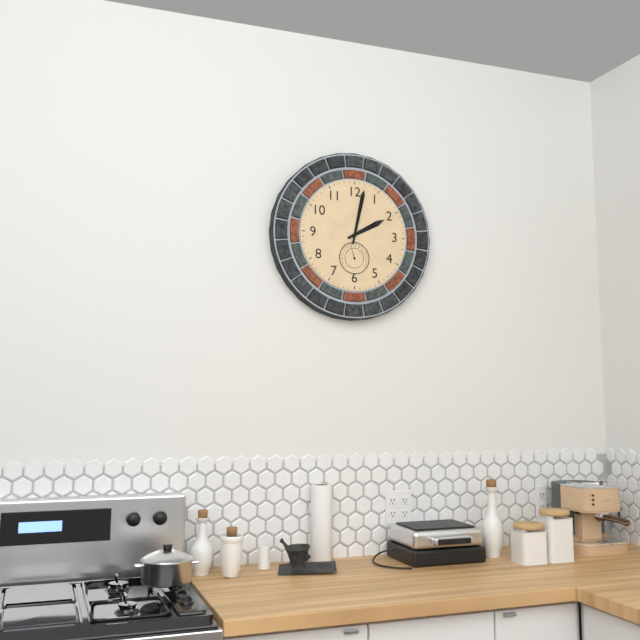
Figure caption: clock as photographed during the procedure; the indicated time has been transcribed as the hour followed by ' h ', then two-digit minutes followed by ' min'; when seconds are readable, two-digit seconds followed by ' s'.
2 h 02 min
